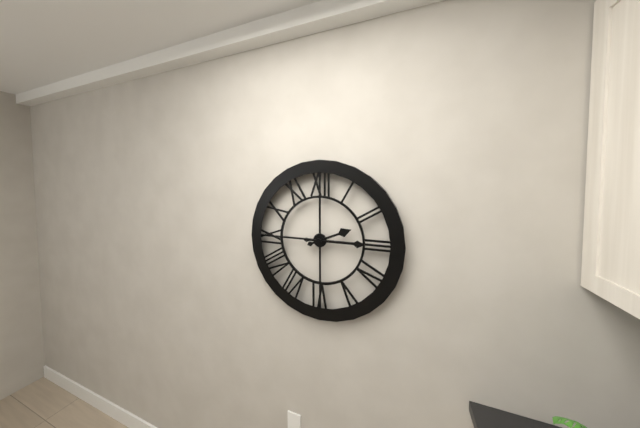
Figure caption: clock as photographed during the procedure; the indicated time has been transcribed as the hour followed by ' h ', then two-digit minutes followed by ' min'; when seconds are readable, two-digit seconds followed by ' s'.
2 h 15 min
